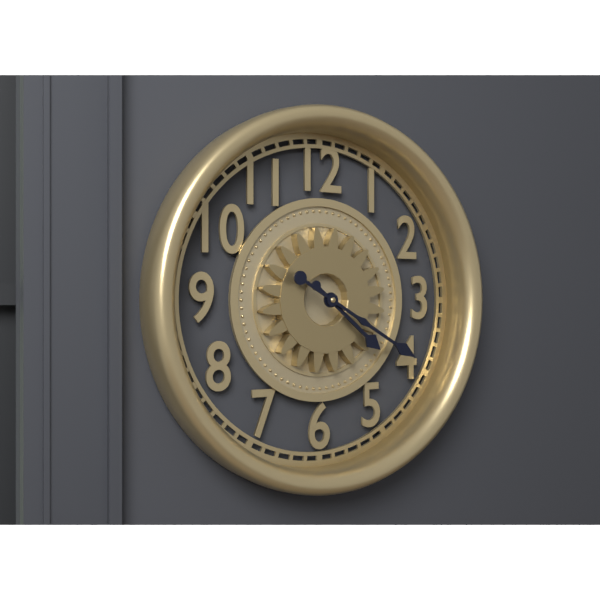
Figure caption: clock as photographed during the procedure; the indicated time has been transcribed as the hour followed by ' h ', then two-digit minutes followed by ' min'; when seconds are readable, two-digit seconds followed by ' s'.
4 h 20 min
